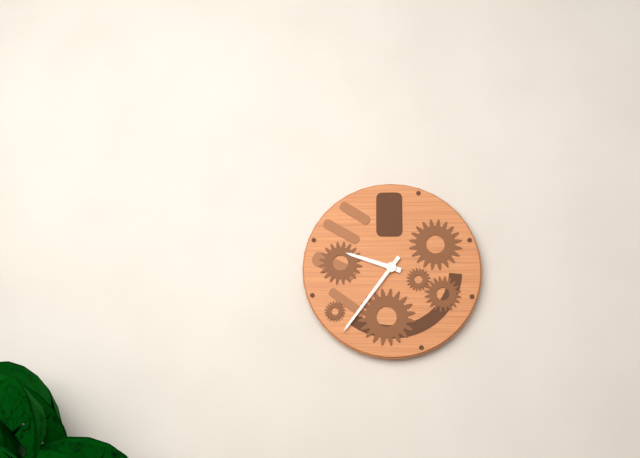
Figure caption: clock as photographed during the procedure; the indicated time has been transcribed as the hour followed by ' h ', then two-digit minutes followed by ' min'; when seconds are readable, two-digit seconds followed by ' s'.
9 h 36 min
